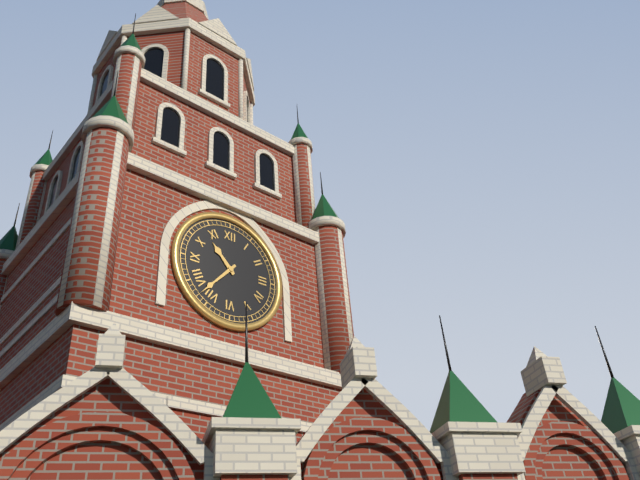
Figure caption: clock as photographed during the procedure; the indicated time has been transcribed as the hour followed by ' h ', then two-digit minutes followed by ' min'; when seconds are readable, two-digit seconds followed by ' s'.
10 h 37 min
